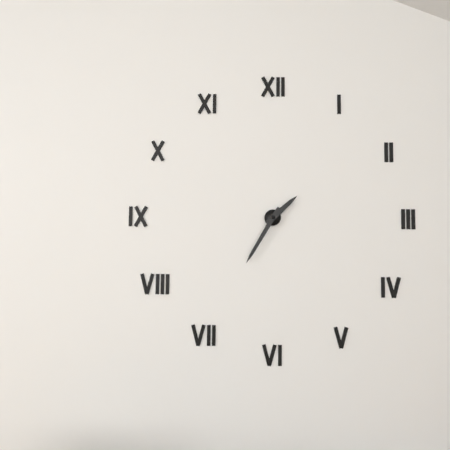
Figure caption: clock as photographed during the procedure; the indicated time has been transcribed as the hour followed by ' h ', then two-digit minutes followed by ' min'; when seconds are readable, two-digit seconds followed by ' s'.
1 h 35 min
